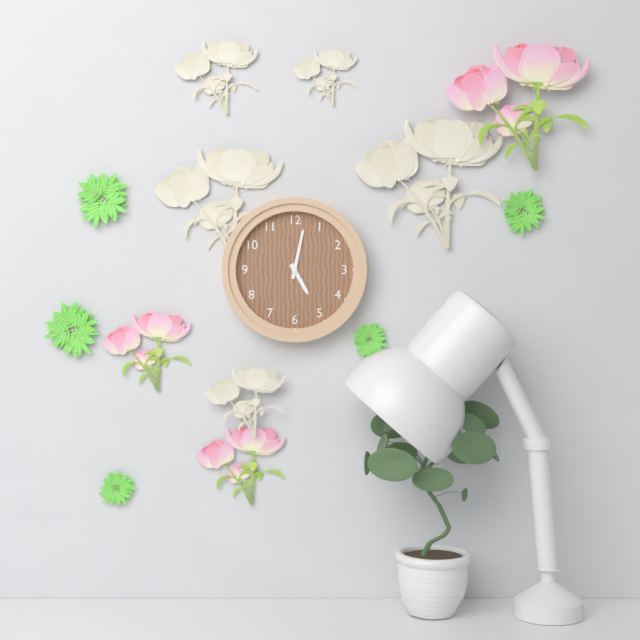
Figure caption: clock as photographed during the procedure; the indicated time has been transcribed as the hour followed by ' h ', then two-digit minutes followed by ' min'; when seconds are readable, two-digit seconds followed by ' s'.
5 h 02 min
